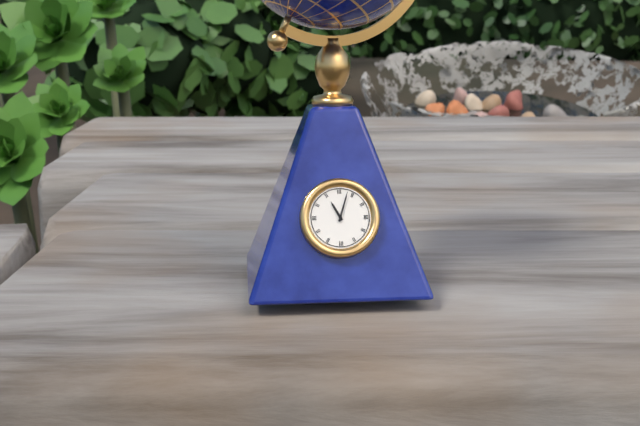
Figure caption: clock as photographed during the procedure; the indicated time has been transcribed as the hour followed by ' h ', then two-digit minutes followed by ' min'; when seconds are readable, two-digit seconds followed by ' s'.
11 h 03 min
